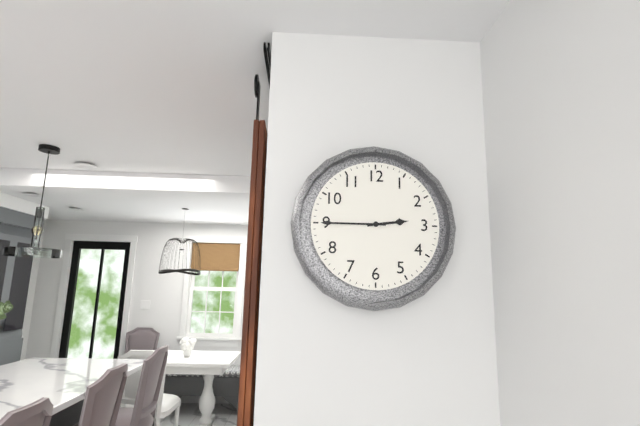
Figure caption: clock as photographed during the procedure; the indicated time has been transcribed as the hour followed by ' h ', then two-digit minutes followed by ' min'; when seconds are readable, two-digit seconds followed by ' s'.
2 h 45 min
